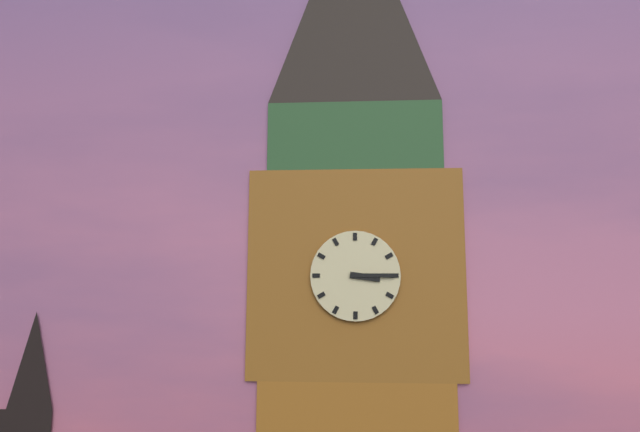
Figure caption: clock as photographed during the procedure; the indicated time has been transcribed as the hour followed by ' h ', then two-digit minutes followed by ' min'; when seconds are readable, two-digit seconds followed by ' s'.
3 h 15 min
